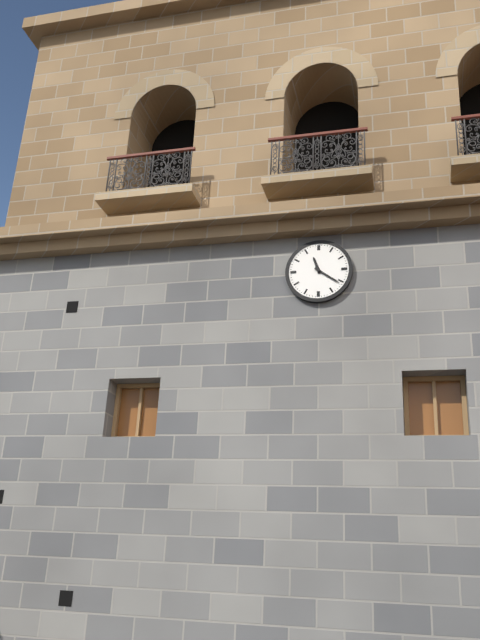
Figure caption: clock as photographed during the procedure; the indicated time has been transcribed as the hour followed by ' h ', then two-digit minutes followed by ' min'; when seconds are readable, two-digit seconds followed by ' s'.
11 h 21 min
